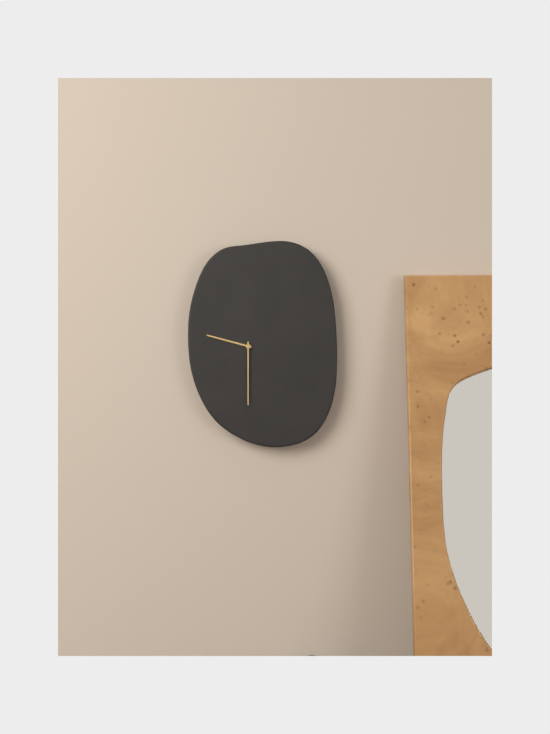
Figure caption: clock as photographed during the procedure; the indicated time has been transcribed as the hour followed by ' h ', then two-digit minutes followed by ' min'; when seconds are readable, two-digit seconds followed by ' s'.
9 h 30 min
